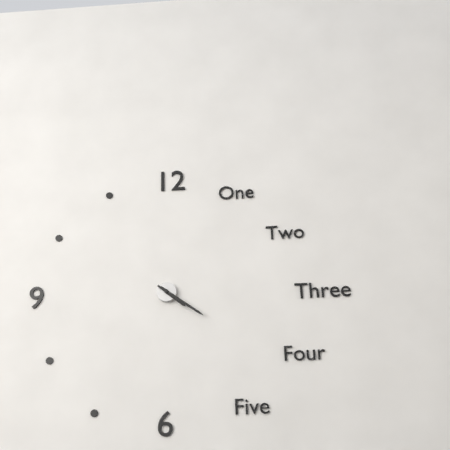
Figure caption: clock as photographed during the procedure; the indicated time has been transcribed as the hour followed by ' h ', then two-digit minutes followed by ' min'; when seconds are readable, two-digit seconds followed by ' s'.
4 h 21 min
